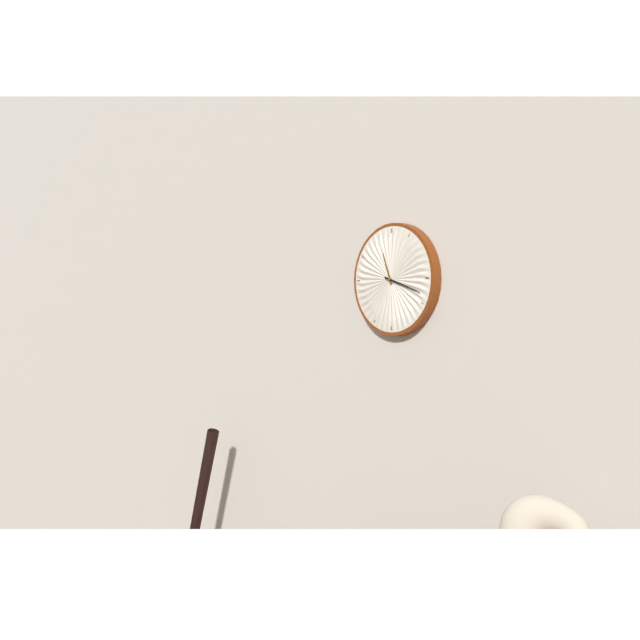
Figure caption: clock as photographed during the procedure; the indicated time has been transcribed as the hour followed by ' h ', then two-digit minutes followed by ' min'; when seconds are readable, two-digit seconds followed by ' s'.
11 h 18 min
